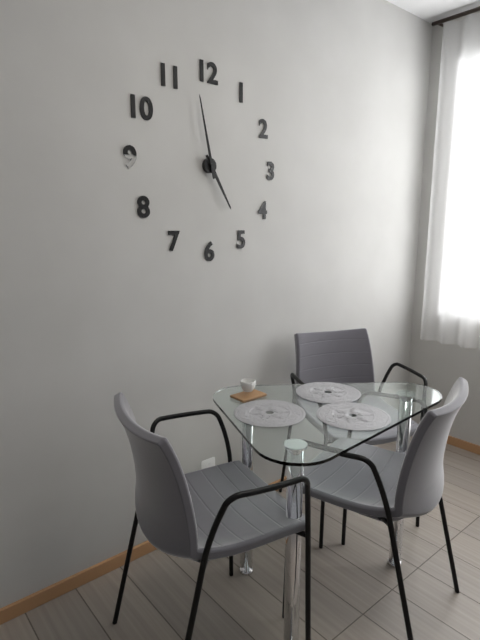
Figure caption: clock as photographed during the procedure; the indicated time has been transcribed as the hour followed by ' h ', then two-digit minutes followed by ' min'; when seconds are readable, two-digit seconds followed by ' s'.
4 h 58 min
